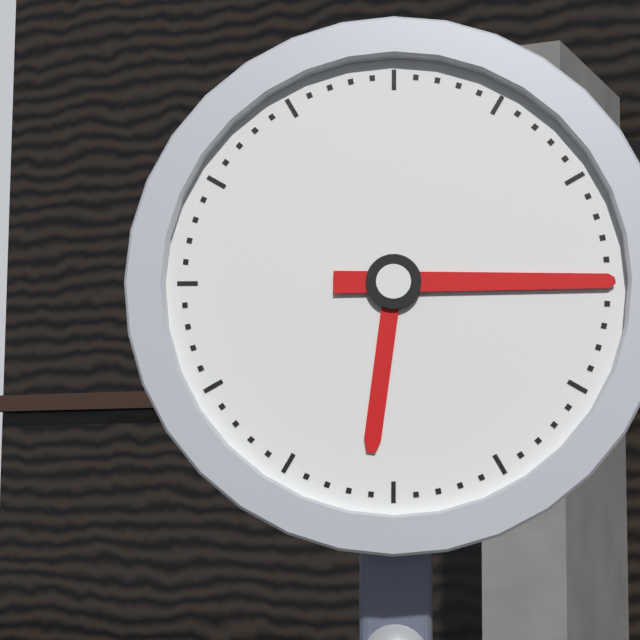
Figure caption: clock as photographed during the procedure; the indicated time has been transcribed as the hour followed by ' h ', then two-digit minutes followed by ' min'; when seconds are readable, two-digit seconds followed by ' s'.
6 h 15 min
